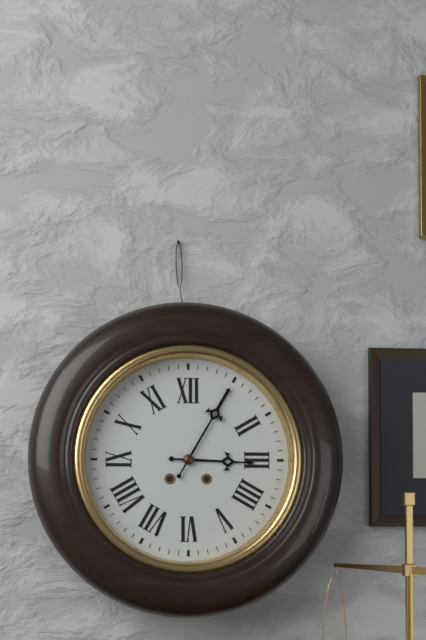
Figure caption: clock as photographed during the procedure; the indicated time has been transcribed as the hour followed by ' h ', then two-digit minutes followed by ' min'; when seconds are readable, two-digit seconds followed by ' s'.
3 h 05 min
